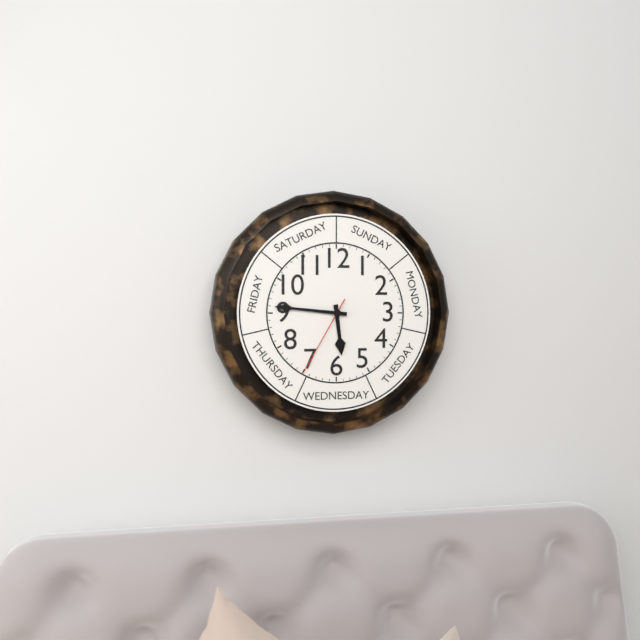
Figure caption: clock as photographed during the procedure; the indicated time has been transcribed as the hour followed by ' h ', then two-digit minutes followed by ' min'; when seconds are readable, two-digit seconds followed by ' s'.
5 h 46 min 35 s
